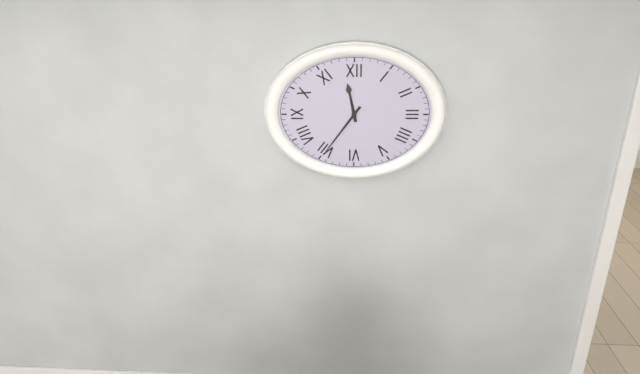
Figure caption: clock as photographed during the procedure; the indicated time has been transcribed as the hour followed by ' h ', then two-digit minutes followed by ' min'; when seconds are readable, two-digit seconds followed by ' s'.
11 h 36 min
